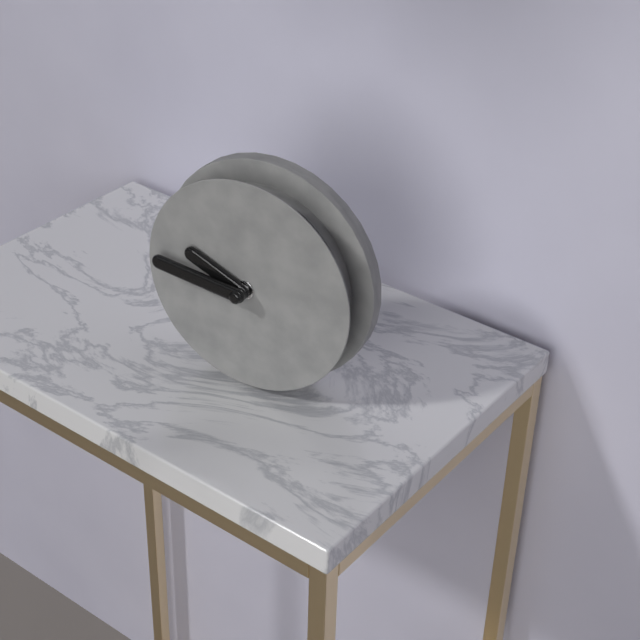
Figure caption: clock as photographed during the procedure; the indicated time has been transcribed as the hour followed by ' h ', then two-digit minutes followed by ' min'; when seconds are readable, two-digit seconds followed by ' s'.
9 h 46 min
